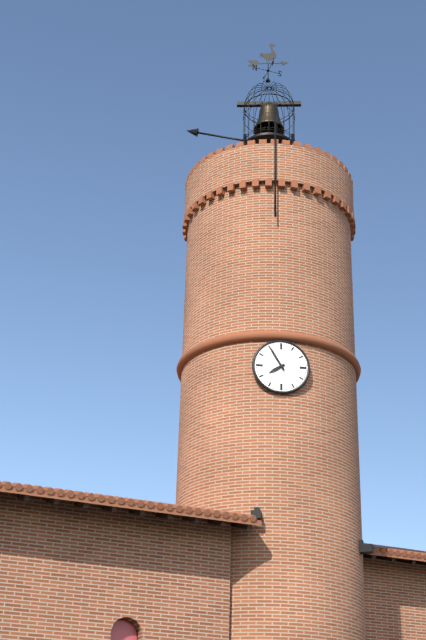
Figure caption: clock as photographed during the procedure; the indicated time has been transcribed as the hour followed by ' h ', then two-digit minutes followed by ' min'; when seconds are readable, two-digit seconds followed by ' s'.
7 h 55 min
